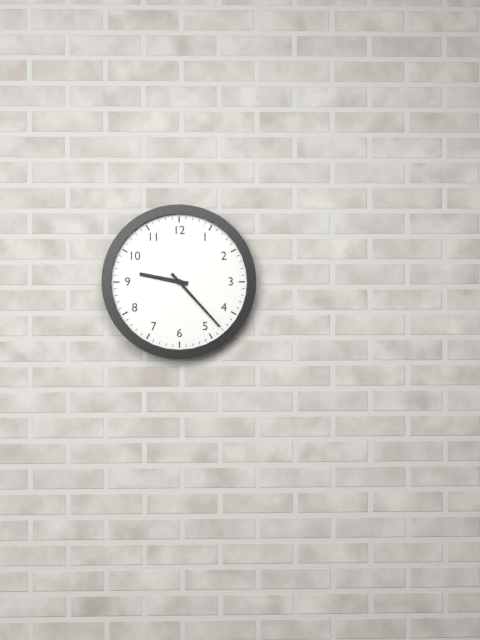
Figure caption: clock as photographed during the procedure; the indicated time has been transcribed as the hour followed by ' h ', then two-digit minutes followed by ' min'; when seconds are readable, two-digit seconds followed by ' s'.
9 h 23 min
